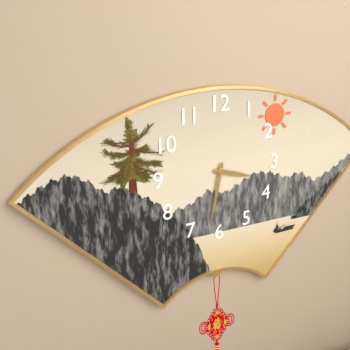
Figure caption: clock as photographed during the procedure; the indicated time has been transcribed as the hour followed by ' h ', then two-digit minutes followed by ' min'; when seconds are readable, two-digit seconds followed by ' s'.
3 h 32 min
